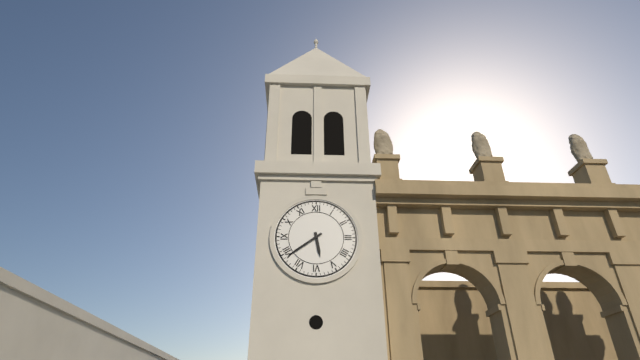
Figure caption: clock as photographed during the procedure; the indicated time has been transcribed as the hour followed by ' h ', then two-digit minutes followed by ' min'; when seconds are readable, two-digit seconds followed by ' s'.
5 h 39 min
